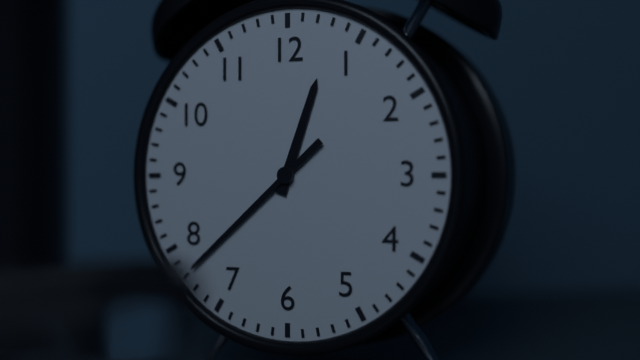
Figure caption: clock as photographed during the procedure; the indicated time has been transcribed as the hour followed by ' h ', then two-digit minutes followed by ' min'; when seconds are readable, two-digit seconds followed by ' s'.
12 h 38 min
